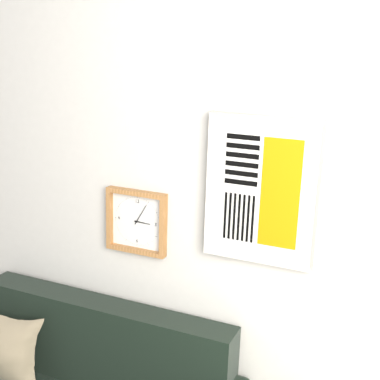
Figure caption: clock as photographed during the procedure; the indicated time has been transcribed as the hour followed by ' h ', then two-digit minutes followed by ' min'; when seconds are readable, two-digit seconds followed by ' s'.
3 h 05 min
